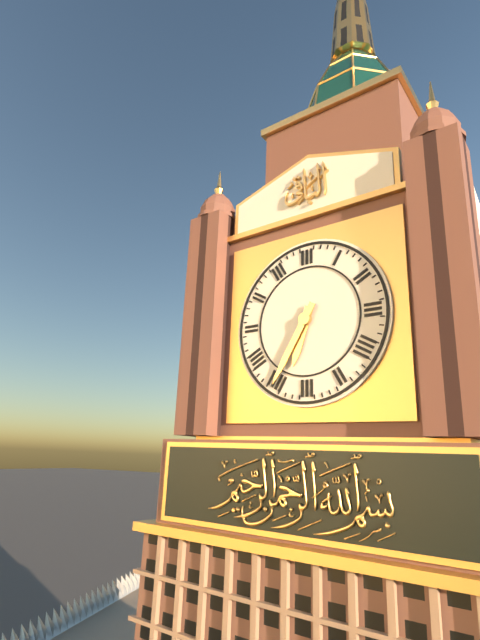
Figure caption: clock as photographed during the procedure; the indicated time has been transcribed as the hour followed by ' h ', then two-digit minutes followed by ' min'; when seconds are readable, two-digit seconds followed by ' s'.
6 h 35 min
